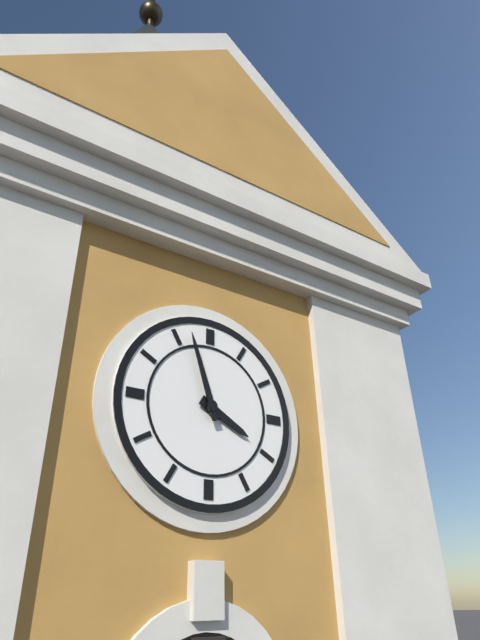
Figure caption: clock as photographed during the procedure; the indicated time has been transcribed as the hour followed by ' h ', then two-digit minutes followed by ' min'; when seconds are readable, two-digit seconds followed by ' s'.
3 h 57 min
